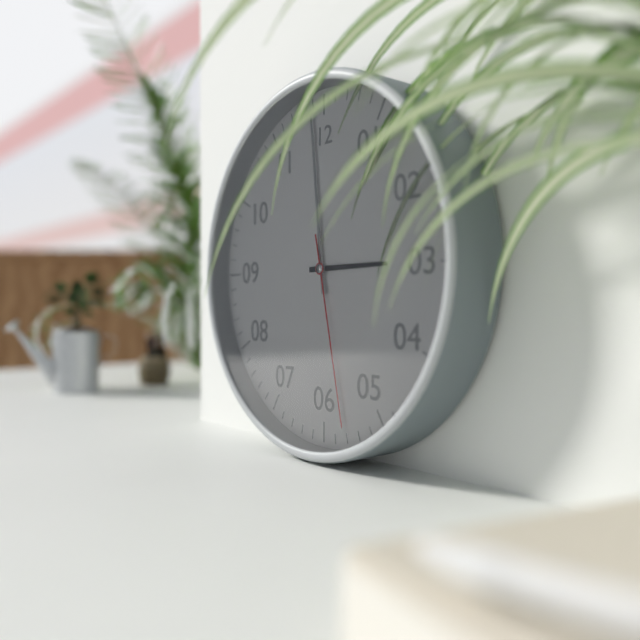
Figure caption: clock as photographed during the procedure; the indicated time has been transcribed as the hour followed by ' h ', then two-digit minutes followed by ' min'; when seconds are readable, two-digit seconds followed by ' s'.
2 h 59 min 28 s
